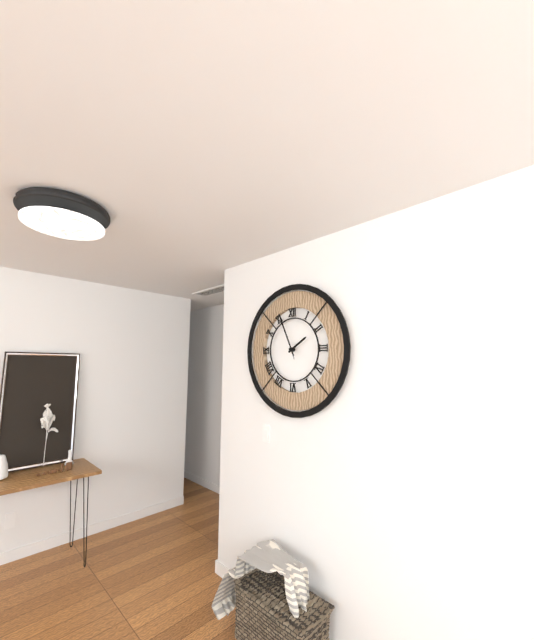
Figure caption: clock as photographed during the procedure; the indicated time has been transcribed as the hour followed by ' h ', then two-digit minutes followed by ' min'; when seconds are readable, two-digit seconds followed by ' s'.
1 h 56 min
